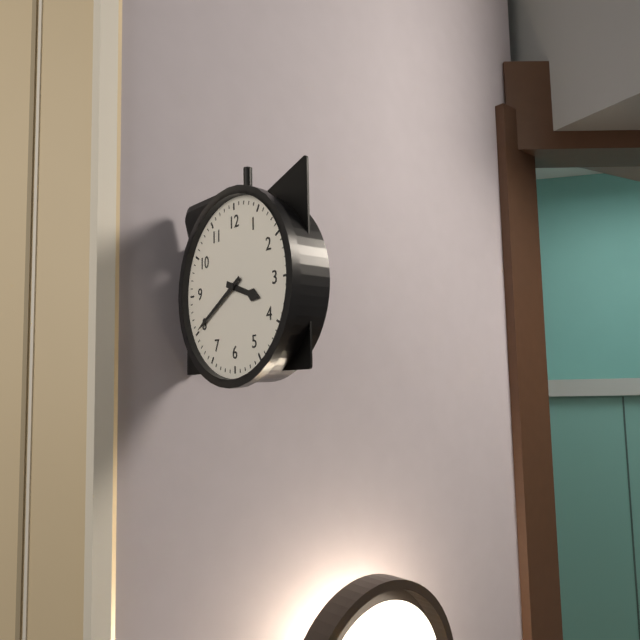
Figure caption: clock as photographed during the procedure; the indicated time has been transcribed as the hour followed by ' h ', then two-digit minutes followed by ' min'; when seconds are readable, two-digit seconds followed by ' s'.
3 h 40 min
